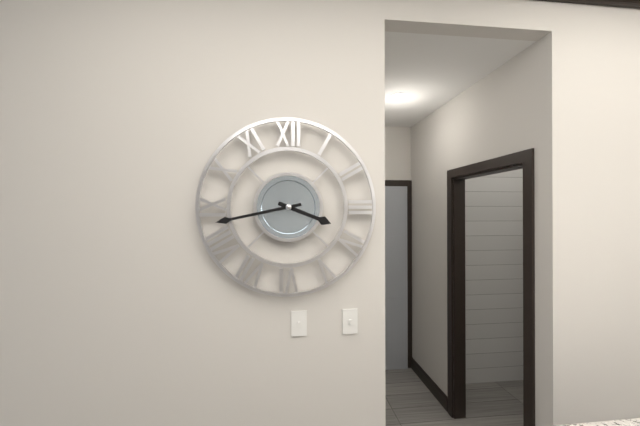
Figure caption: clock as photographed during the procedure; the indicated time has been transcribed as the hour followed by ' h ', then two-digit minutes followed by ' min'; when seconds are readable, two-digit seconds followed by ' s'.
3 h 43 min
